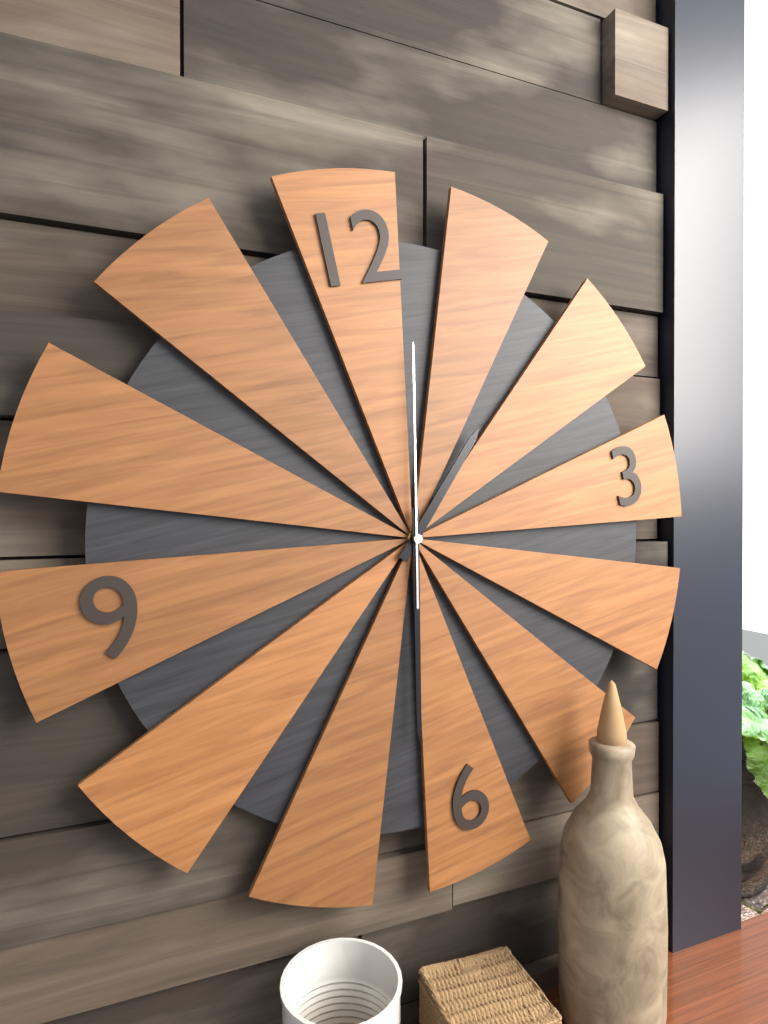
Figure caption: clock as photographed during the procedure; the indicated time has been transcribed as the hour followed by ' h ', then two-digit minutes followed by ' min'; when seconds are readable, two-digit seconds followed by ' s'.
1 h 32 min 02 s
